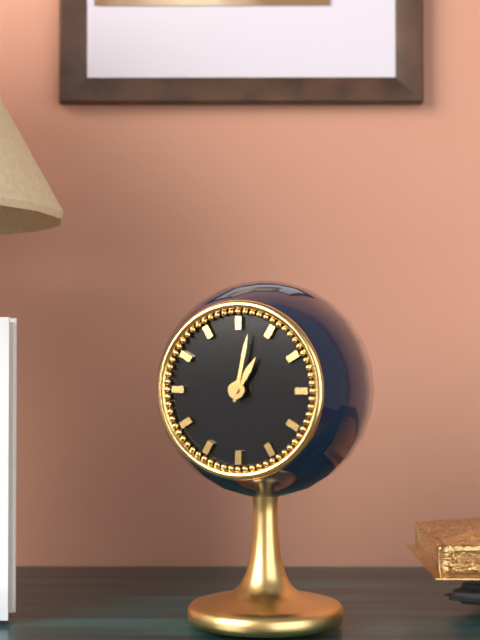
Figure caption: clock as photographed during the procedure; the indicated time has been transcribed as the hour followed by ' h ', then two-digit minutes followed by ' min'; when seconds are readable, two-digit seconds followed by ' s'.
1 h 02 min
